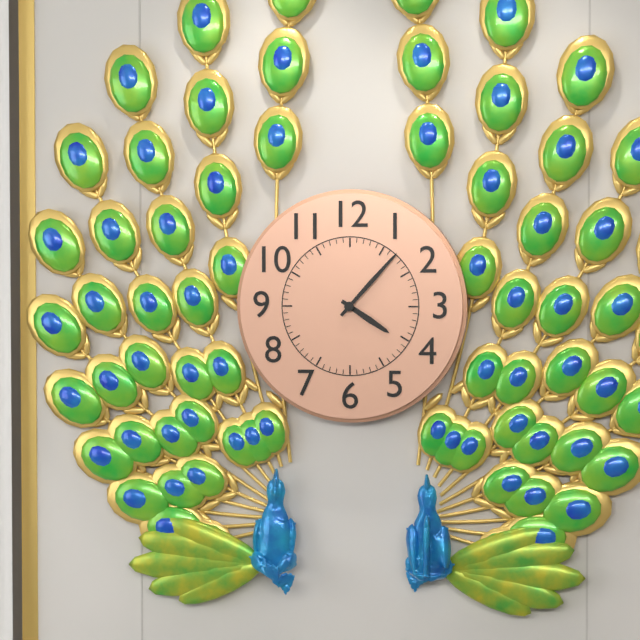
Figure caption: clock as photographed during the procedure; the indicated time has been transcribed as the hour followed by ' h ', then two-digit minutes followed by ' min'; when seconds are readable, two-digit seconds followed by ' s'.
4 h 07 min
